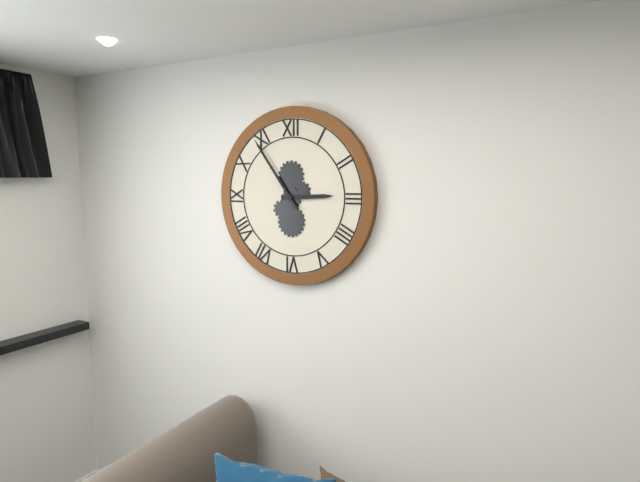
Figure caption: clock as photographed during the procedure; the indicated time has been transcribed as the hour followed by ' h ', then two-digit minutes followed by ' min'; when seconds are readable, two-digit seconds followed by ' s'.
2 h 54 min
